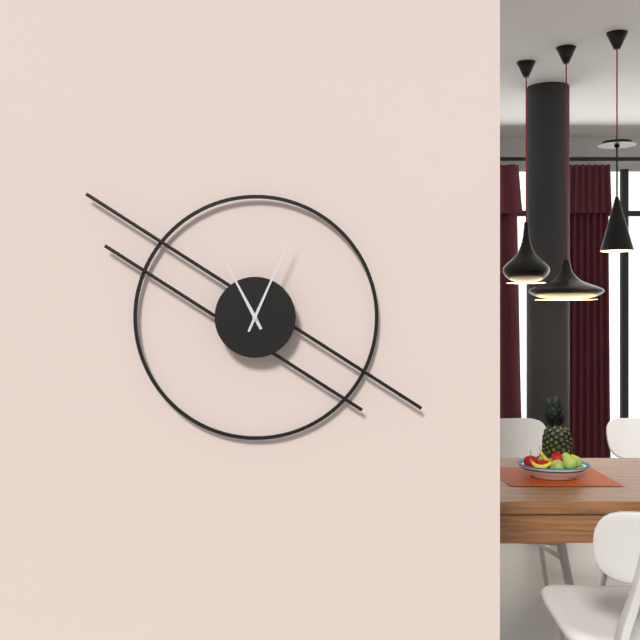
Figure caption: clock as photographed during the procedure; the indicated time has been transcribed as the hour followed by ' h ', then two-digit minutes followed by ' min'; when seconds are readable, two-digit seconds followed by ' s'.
11 h 04 min
